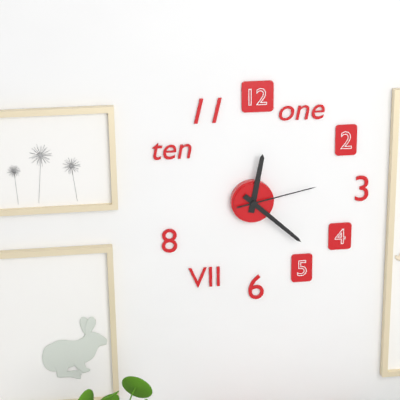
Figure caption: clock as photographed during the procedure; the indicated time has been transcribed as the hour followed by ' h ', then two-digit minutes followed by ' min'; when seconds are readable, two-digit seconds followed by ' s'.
12 h 22 min 13 s
